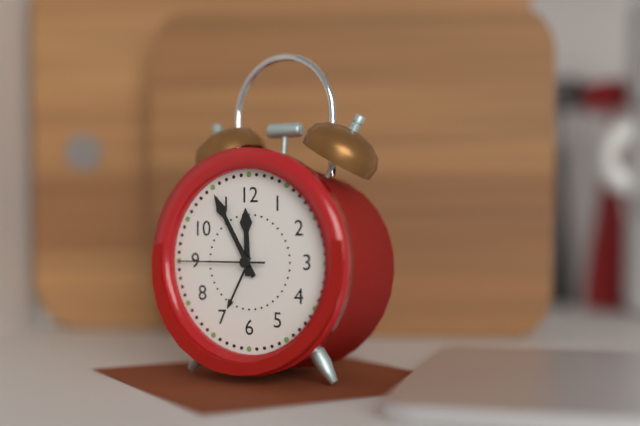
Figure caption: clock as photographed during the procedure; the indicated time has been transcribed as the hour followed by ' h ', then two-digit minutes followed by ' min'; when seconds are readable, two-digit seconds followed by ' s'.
11 h 55 min 45 s
